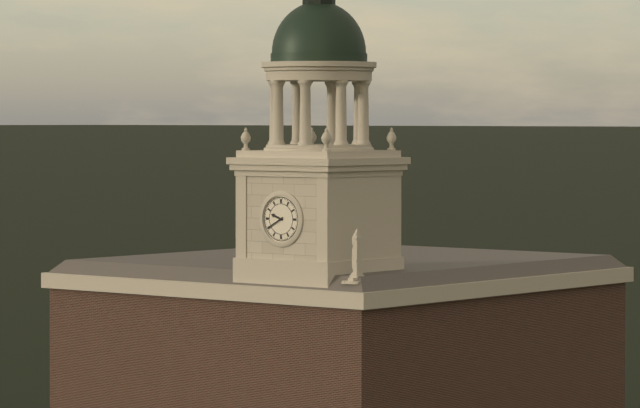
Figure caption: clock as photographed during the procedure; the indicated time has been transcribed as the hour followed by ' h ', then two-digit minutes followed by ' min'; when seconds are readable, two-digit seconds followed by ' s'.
9 h 40 min
